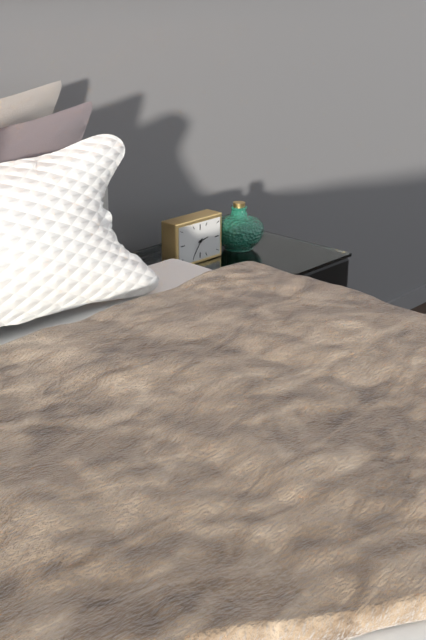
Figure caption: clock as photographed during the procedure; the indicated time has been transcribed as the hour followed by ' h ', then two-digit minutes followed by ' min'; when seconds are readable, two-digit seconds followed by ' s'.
2 h 36 min
